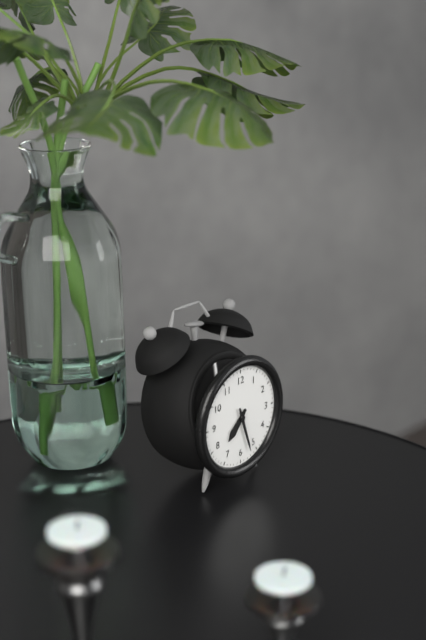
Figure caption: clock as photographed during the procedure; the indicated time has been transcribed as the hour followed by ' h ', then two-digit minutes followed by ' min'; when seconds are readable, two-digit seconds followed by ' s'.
7 h 27 min
